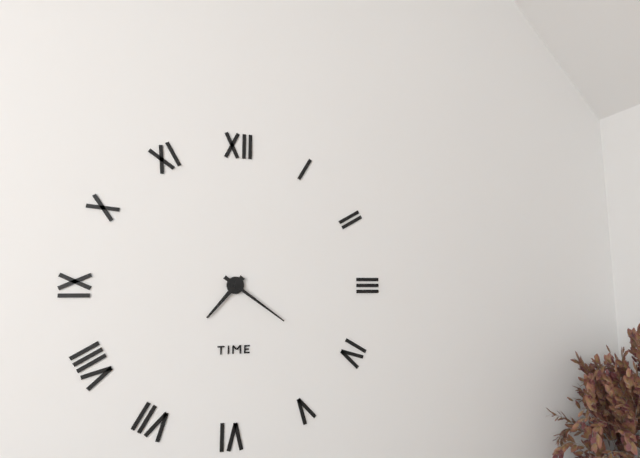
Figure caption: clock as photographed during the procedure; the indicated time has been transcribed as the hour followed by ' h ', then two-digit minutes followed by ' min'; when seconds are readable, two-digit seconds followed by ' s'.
7 h 21 min
